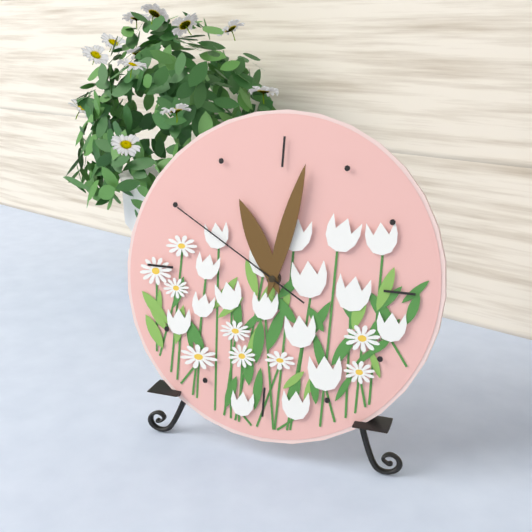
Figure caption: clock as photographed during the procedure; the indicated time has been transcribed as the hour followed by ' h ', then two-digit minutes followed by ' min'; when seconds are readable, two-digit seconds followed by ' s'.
11 h 02 min 50 s
